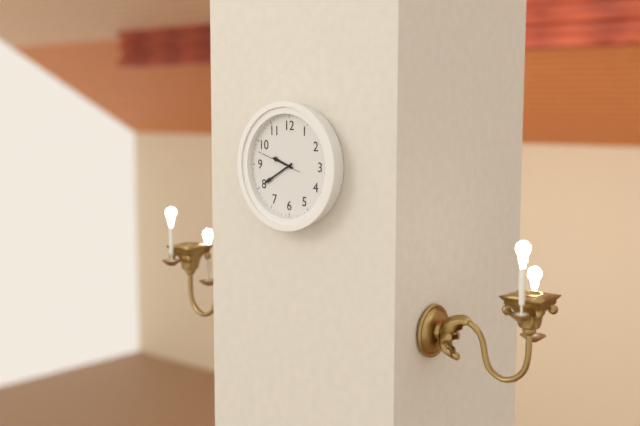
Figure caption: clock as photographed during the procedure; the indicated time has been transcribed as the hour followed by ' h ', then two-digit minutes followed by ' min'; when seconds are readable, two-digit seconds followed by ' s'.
9 h 40 min
